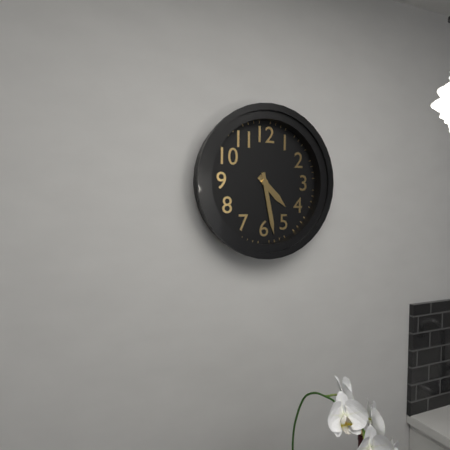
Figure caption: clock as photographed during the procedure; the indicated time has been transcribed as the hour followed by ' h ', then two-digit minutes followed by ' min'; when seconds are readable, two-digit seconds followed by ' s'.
4 h 28 min
